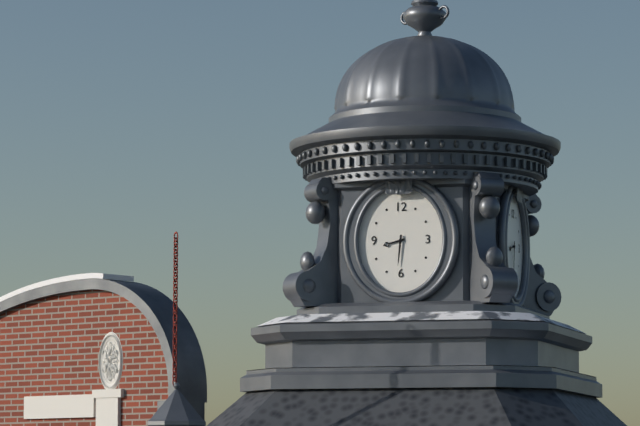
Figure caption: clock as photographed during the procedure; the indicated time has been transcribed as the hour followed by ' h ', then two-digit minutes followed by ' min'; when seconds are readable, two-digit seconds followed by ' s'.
8 h 31 min
